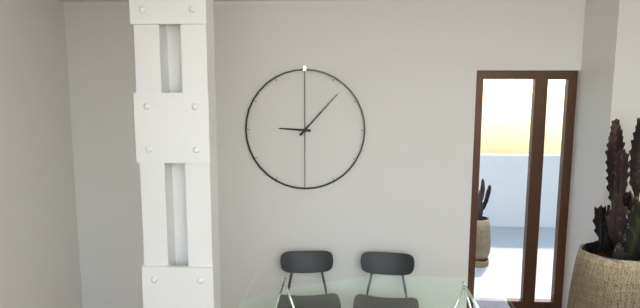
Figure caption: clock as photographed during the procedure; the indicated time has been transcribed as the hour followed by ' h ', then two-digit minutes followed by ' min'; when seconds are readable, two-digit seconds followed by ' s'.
9 h 07 min
